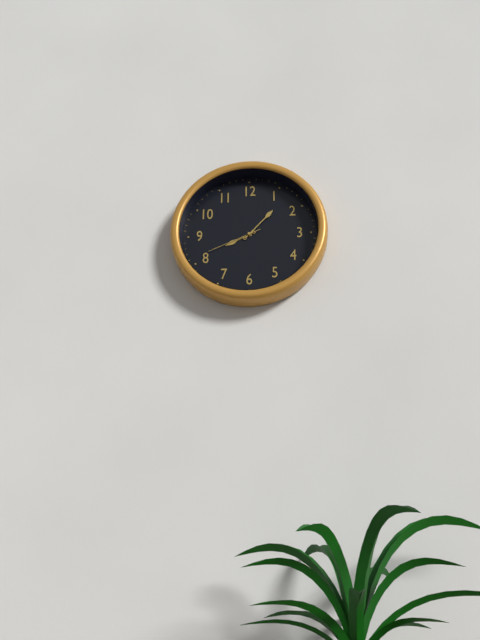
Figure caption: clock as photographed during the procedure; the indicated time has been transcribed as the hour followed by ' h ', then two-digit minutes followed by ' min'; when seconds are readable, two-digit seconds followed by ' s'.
8 h 07 min 41 s
